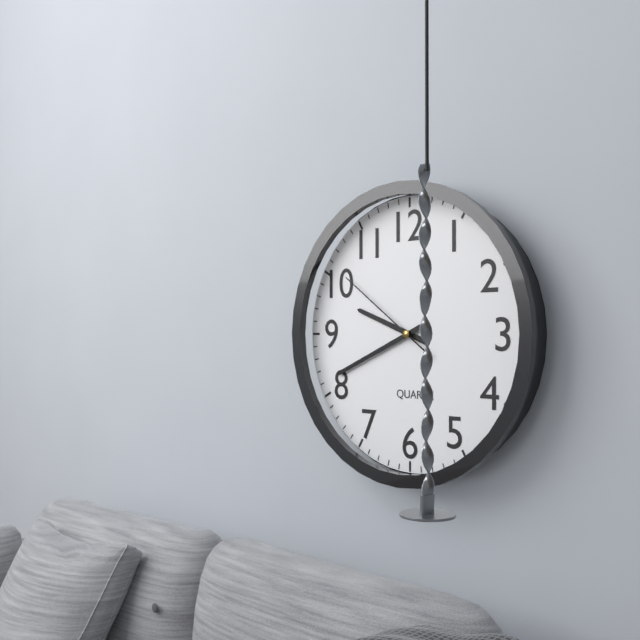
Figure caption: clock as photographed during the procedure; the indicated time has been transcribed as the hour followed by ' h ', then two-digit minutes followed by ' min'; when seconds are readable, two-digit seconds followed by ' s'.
9 h 41 min 51 s
